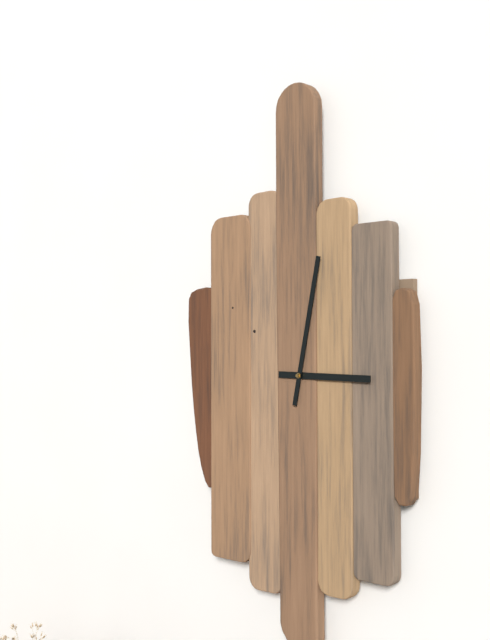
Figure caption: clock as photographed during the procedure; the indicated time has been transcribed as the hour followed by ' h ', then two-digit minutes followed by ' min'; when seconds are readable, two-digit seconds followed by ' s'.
3 h 02 min
